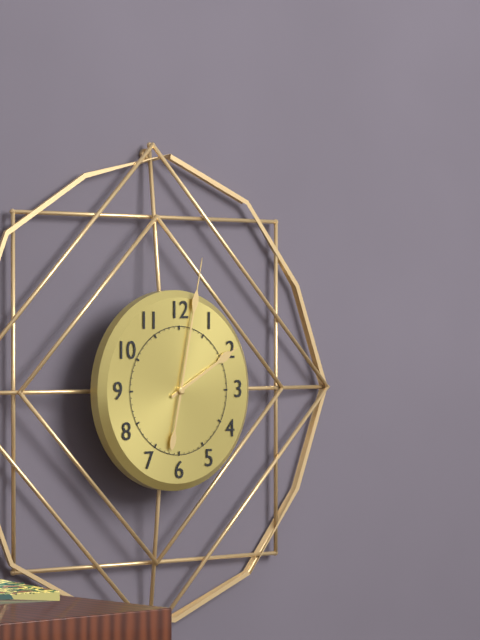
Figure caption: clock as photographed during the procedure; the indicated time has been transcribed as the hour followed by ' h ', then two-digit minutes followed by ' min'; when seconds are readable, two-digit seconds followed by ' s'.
2 h 02 min
